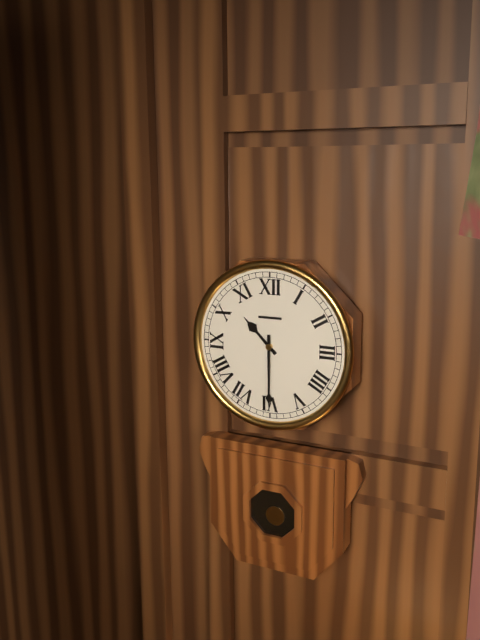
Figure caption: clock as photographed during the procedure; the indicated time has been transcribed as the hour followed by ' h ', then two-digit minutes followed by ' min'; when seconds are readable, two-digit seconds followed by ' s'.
10 h 30 min
